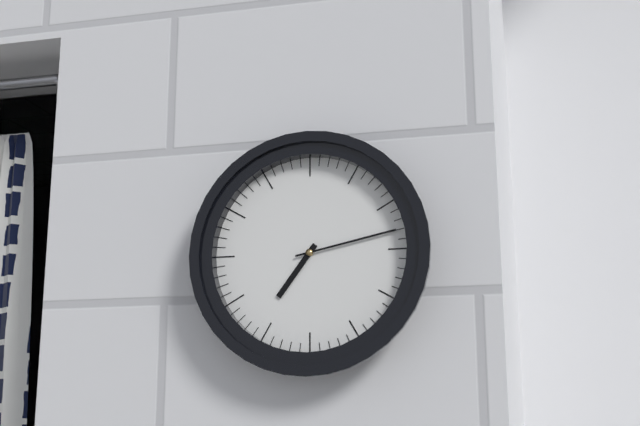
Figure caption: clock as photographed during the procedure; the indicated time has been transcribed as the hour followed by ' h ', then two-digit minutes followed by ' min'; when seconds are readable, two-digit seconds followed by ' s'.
7 h 13 min
